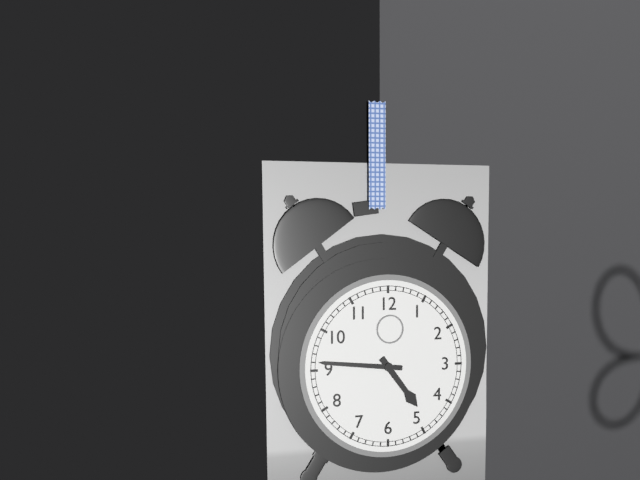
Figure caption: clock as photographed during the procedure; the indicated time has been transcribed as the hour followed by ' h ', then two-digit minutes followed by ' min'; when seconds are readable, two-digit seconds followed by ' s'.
4 h 46 min
